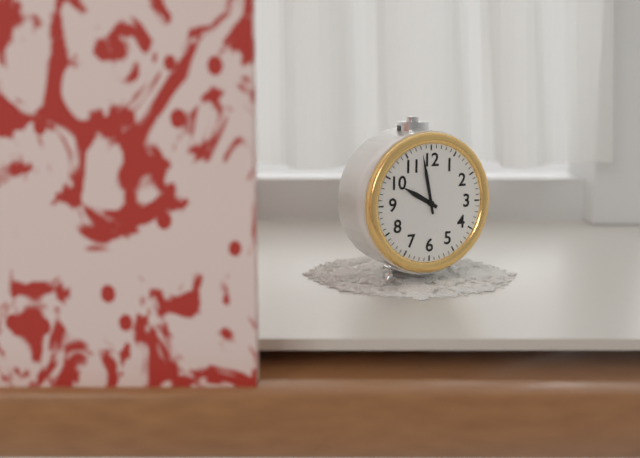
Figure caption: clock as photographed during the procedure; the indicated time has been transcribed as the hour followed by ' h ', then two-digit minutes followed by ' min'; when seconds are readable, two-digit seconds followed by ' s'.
9 h 58 min
